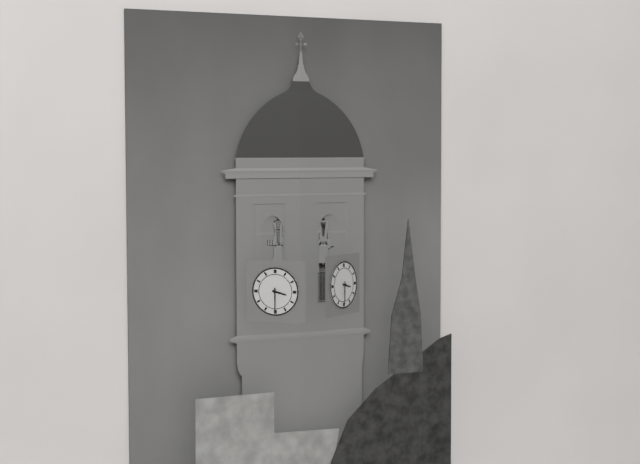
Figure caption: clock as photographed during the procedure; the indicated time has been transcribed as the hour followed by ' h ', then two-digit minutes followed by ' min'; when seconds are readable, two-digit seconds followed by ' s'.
3 h 30 min
